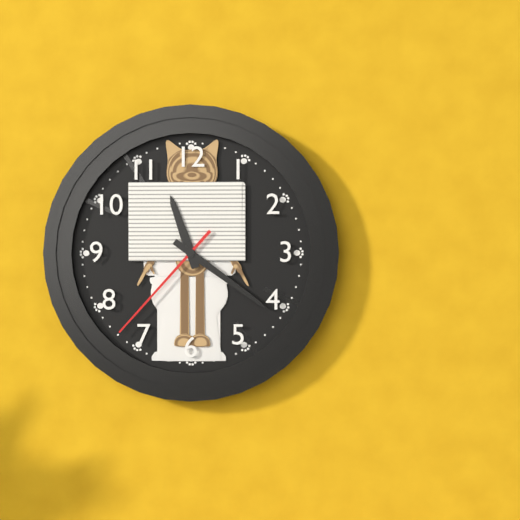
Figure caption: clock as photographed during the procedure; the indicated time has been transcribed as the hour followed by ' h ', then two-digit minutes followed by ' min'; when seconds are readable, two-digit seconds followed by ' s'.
11 h 21 min 37 s
